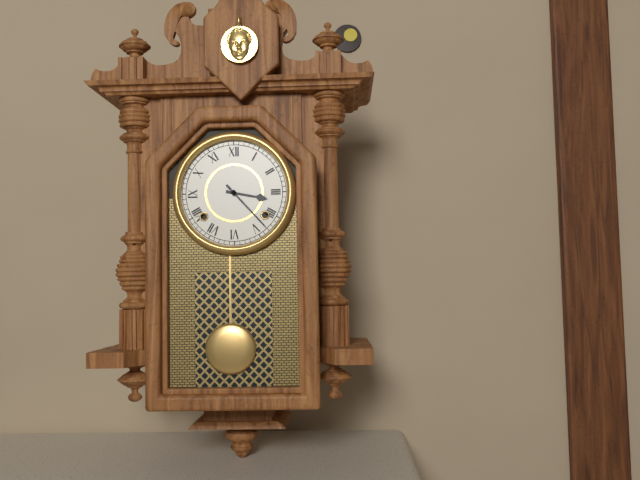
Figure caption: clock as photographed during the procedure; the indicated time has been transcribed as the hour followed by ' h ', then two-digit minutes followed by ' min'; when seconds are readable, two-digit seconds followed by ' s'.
3 h 23 min
